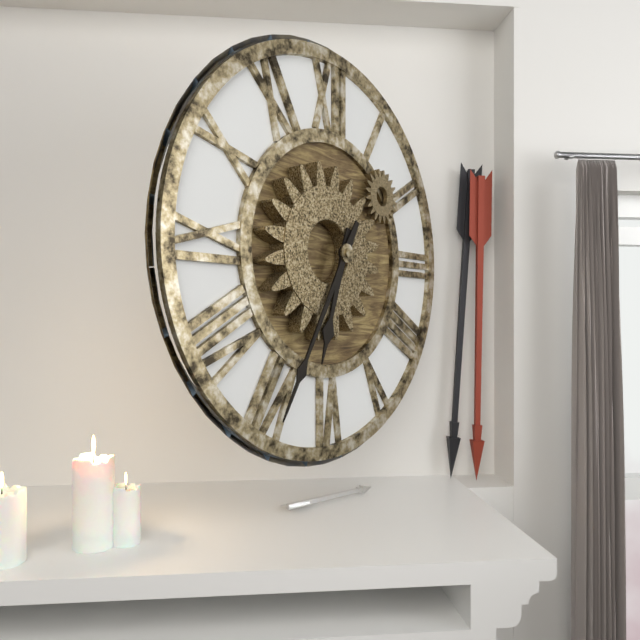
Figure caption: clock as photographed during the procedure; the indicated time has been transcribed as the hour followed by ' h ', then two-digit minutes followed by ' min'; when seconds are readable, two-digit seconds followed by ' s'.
6 h 35 min
